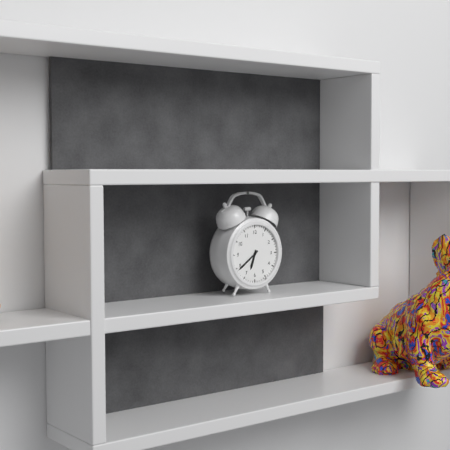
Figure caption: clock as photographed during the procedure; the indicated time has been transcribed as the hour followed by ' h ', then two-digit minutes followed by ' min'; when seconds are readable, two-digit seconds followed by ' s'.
6 h 39 min
